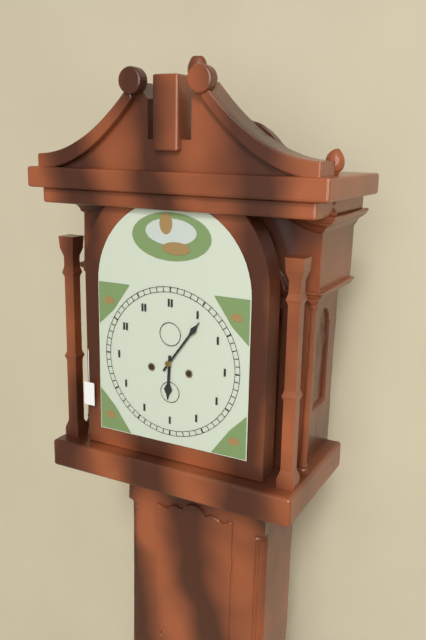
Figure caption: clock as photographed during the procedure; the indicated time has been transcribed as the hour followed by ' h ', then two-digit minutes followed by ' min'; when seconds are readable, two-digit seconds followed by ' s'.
6 h 06 min
